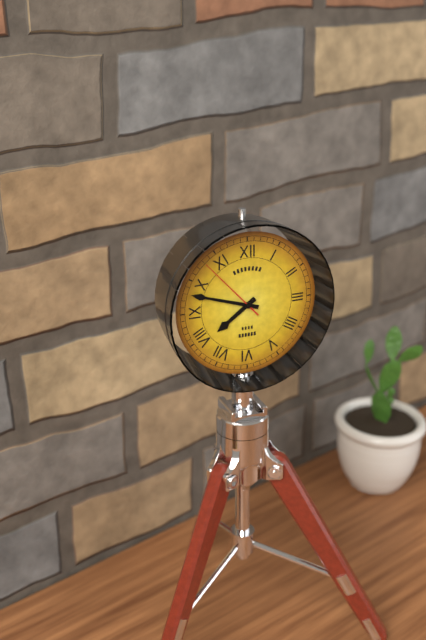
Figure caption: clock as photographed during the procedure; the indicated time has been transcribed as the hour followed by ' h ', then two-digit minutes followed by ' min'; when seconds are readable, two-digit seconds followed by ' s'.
7 h 48 min 53 s
